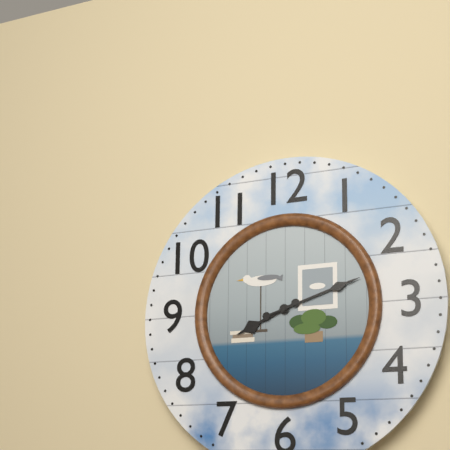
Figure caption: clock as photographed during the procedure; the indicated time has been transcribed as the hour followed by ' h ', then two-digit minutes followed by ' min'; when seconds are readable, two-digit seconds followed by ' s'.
8 h 12 min
